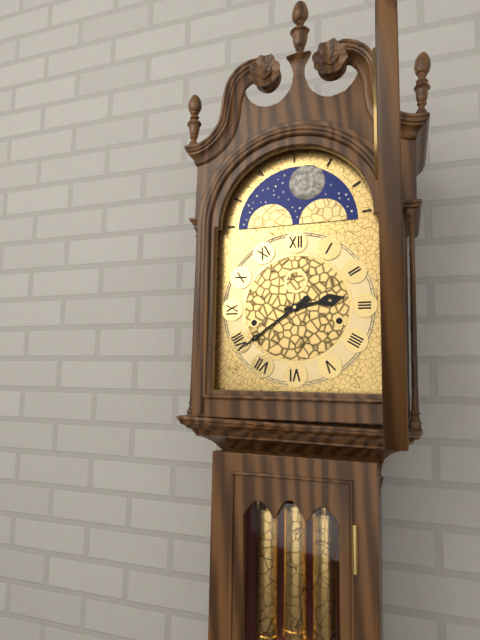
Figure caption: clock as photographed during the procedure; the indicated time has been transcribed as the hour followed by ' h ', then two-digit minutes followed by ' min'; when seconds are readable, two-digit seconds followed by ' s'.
2 h 39 min
